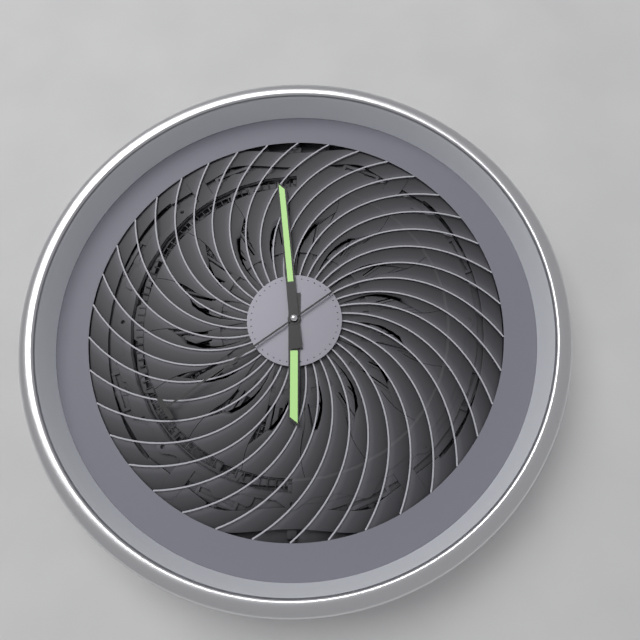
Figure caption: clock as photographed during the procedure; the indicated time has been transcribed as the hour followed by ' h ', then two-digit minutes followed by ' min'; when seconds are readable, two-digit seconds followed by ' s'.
5 h 59 min 39 s
